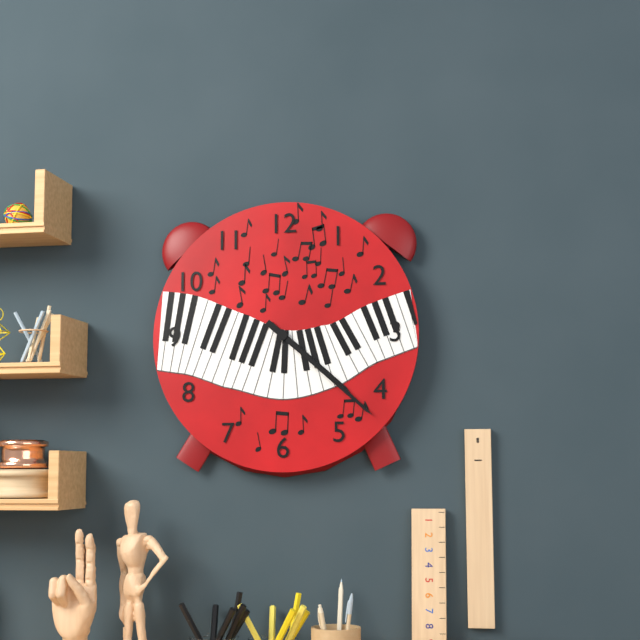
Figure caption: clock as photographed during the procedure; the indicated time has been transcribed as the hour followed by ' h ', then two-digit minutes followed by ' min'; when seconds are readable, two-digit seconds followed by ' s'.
4 h 22 min
